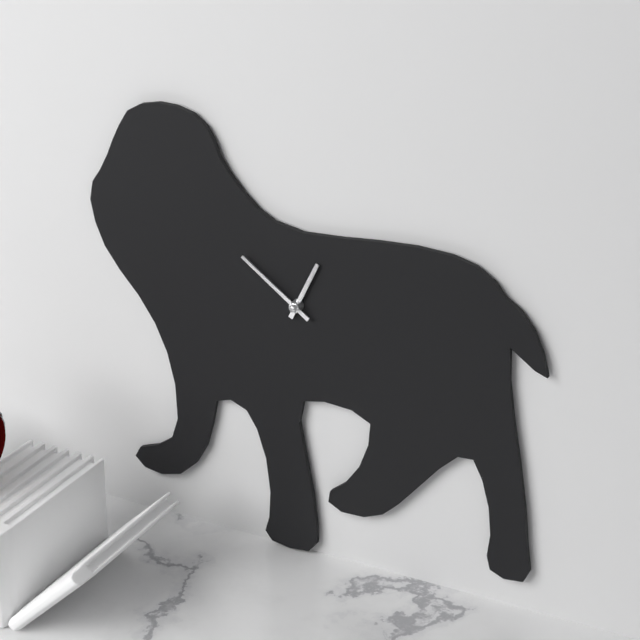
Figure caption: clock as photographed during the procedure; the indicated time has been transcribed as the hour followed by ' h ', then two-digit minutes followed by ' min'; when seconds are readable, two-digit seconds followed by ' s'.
12 h 51 min
